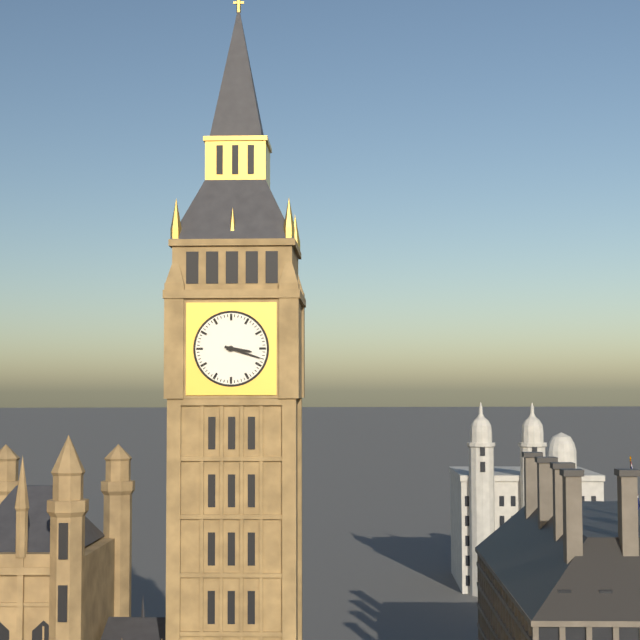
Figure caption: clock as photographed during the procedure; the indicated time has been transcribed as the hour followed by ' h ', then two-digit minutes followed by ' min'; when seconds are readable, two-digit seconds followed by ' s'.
3 h 18 min
